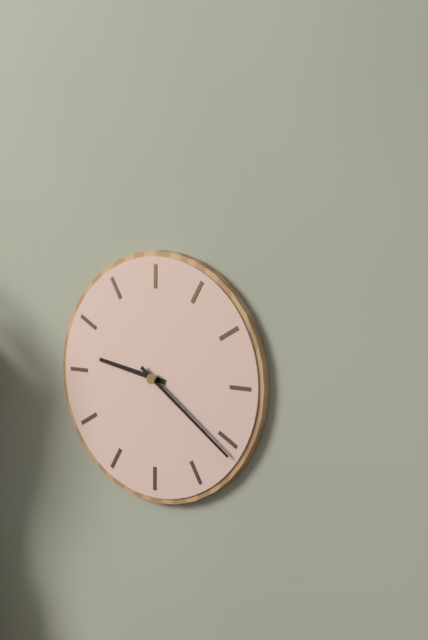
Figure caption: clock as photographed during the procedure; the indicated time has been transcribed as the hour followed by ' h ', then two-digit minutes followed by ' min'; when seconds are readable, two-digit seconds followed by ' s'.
9 h 21 min
